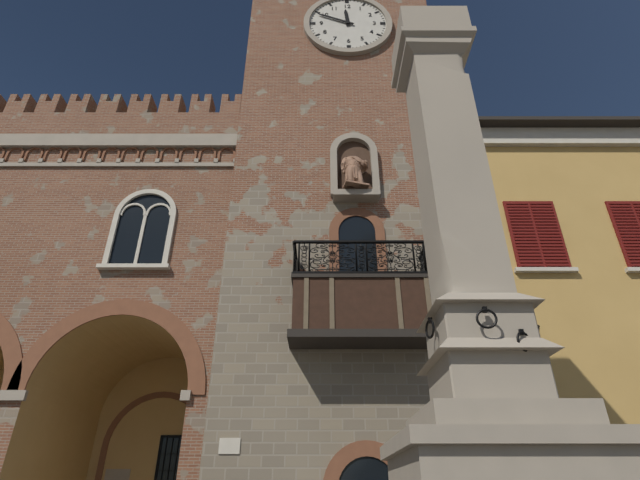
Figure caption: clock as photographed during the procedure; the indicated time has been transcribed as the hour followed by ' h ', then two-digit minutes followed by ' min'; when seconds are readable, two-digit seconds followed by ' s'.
11 h 49 min
